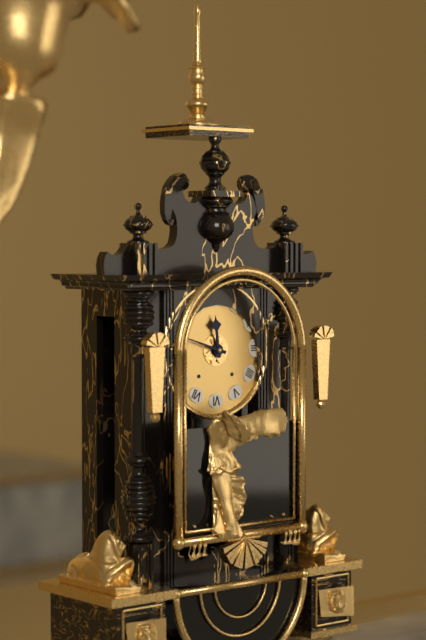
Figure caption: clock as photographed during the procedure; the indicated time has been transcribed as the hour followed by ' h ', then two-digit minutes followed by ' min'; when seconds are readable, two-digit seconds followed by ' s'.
11 h 48 min
